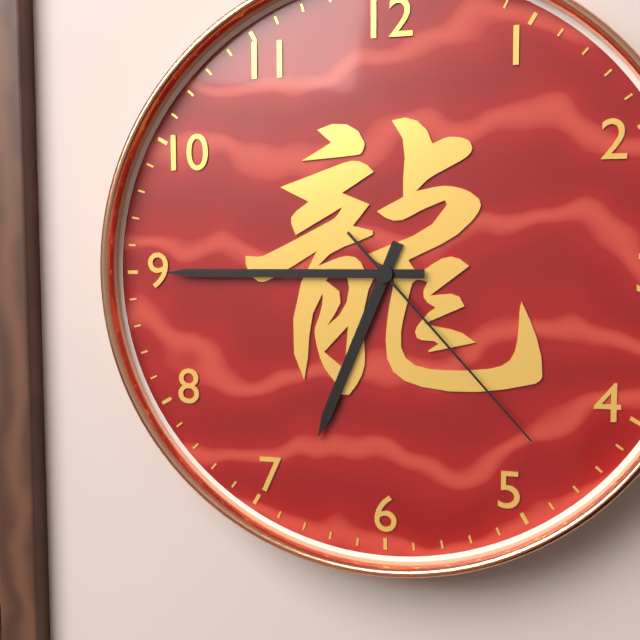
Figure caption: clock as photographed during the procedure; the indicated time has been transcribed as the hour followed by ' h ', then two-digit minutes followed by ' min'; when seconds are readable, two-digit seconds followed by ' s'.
6 h 45 min 23 s
